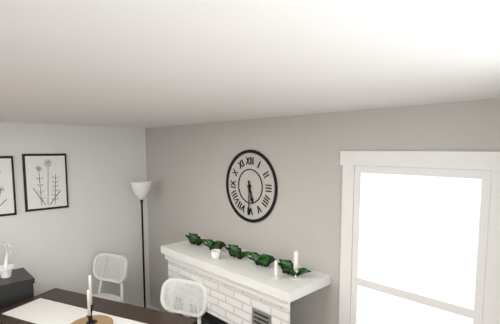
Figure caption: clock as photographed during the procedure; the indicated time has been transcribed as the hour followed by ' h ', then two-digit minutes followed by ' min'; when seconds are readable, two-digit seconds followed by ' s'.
5 h 30 min
